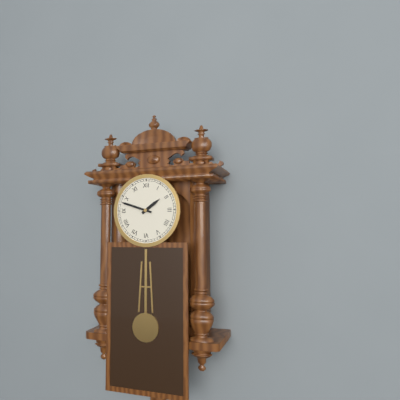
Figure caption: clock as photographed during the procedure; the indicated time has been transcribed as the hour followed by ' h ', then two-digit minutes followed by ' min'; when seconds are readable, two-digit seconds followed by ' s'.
1 h 48 min
